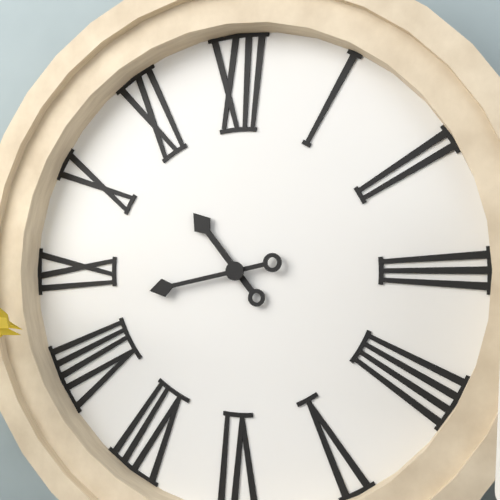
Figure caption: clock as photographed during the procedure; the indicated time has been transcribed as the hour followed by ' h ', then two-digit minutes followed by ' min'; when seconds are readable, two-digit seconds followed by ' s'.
10 h 43 min
